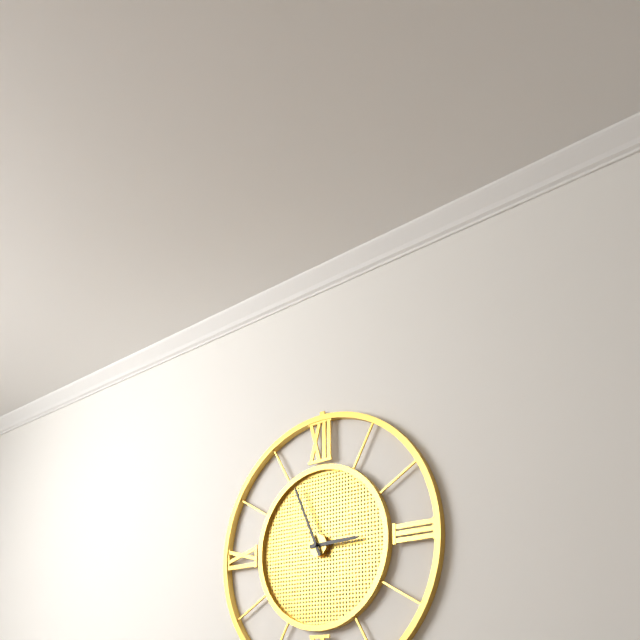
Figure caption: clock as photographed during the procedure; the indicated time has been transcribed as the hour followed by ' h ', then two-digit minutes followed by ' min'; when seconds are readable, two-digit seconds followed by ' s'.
2 h 56 min
